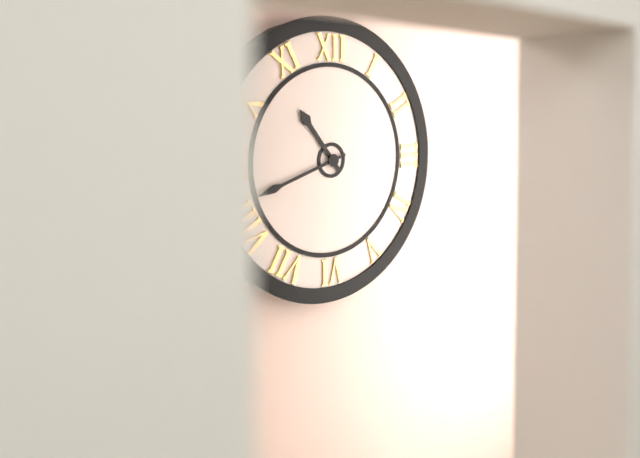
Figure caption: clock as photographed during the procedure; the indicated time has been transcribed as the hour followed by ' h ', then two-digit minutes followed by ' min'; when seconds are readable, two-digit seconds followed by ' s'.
10 h 42 min
